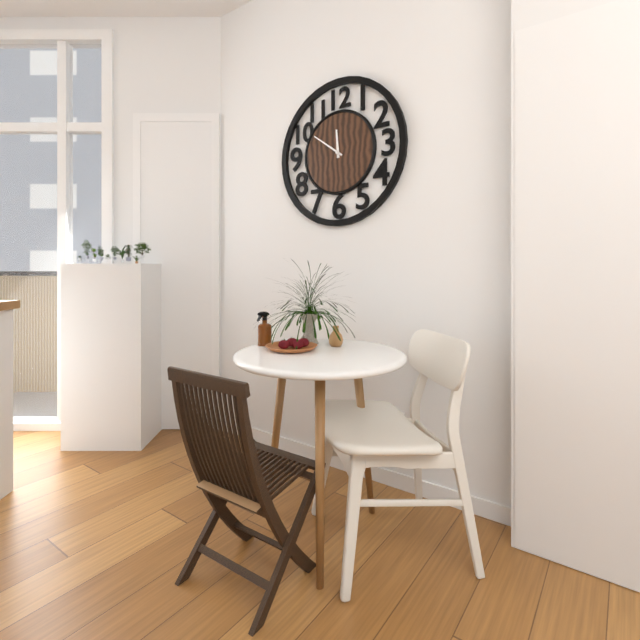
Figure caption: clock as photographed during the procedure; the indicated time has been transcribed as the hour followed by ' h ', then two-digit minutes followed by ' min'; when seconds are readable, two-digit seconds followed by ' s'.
11 h 51 min
